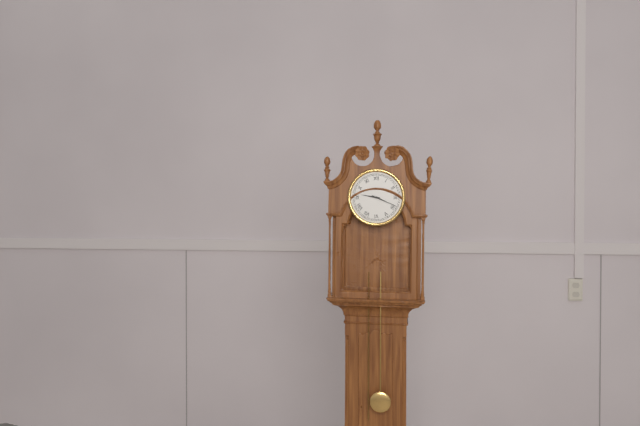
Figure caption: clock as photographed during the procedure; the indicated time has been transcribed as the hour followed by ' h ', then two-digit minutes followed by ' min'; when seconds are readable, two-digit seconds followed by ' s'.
9 h 19 min
